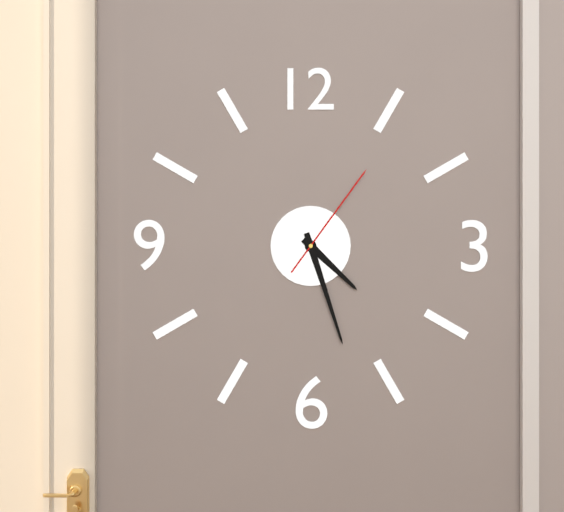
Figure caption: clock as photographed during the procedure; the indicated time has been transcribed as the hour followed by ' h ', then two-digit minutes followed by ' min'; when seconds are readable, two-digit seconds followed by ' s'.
4 h 27 min 06 s
